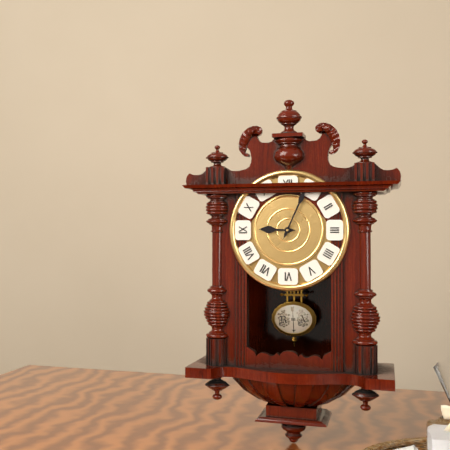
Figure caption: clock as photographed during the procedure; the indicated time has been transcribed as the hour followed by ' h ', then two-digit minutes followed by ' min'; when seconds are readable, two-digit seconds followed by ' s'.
9 h 04 min
